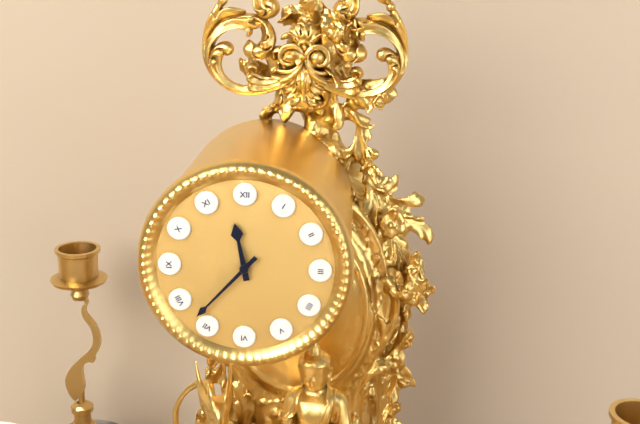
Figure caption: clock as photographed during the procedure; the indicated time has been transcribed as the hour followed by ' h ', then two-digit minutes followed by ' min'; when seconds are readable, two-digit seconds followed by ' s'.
11 h 37 min
